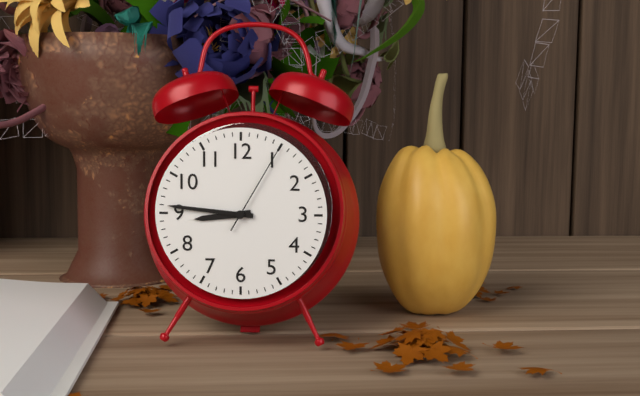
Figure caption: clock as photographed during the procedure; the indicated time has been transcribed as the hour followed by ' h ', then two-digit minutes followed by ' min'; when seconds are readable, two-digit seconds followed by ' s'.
8 h 46 min 05 s
